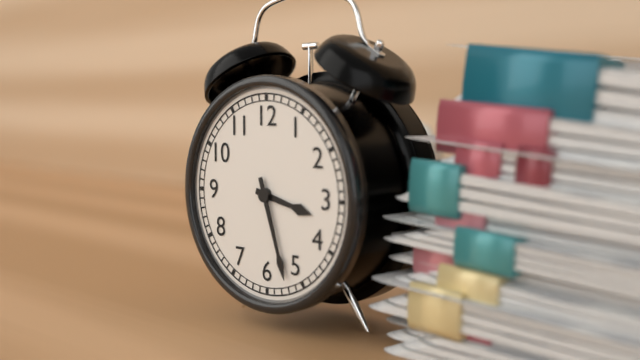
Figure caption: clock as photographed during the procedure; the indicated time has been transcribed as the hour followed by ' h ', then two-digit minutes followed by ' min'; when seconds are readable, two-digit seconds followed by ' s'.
3 h 27 min
